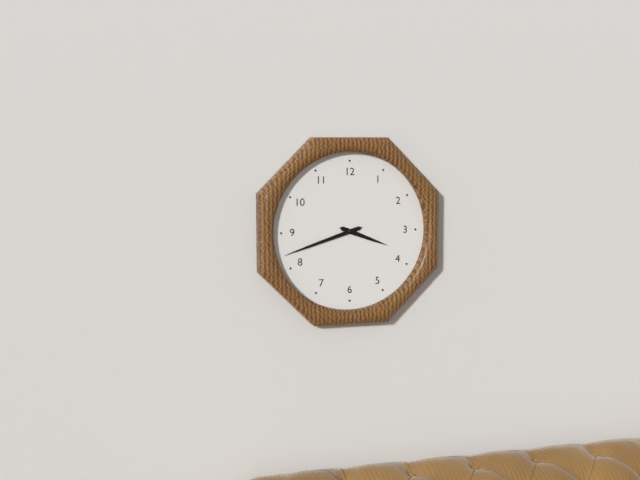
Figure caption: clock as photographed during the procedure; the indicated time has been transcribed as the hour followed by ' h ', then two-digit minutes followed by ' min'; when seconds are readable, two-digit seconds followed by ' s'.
3 h 42 min
